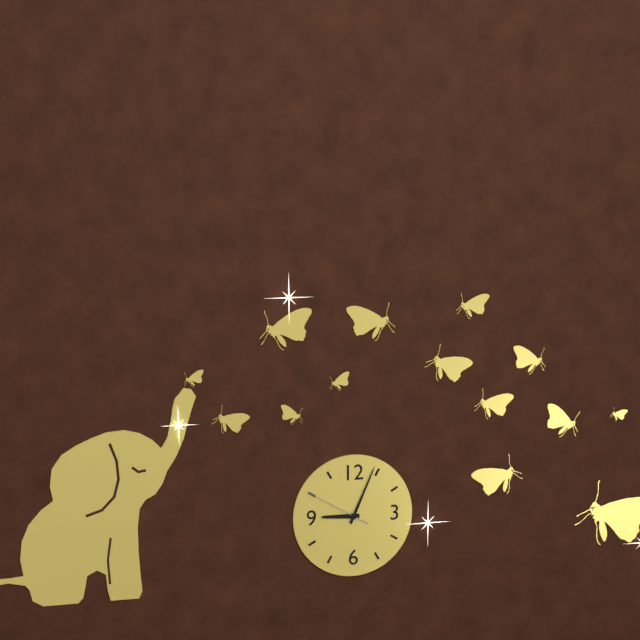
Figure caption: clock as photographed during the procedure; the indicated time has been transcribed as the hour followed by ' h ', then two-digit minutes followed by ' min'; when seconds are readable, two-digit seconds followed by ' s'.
9 h 04 min 50 s
